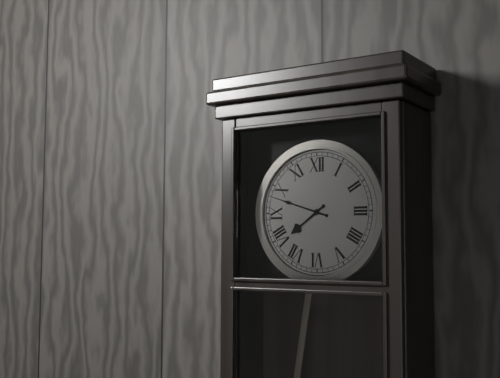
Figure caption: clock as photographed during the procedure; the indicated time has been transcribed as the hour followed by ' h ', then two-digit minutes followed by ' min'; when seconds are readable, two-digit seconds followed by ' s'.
7 h 48 min
